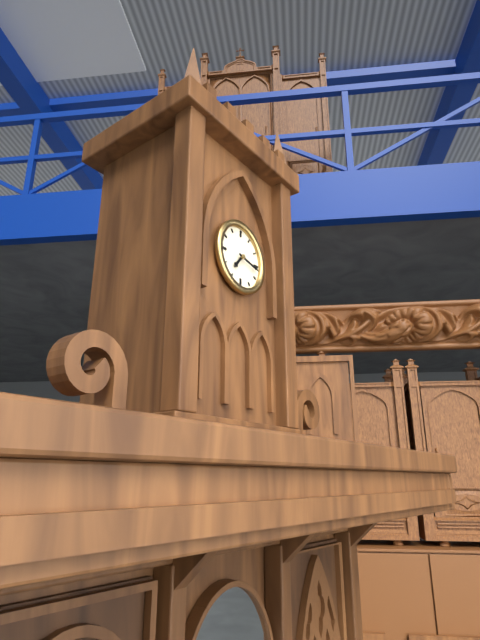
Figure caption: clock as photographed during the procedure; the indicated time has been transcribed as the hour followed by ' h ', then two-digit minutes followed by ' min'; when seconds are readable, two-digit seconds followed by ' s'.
7 h 17 min
